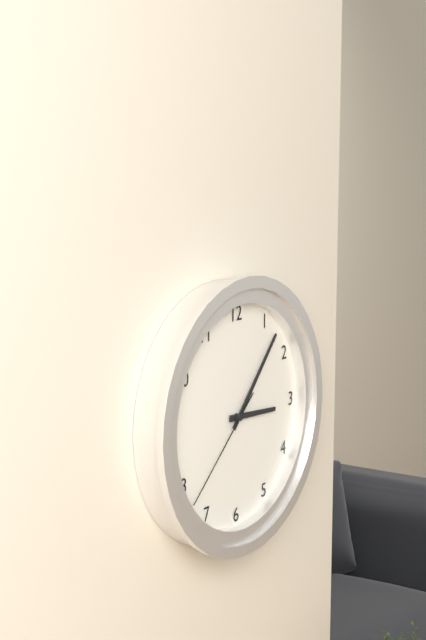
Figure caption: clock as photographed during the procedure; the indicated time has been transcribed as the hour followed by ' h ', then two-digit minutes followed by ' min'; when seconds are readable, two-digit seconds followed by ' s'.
3 h 07 min 38 s
